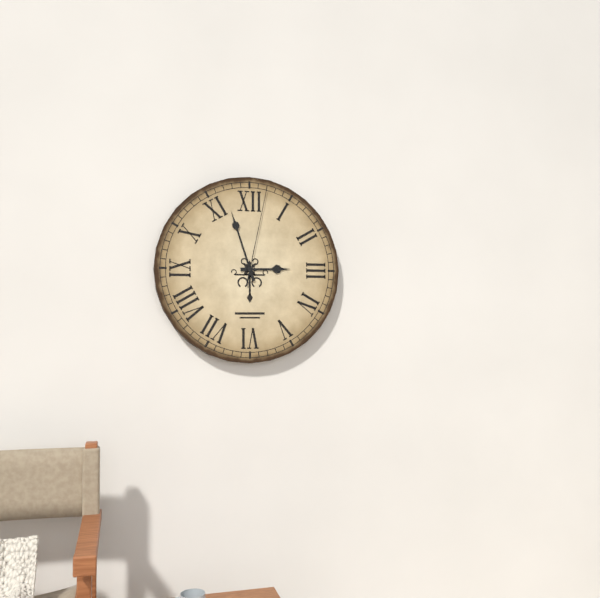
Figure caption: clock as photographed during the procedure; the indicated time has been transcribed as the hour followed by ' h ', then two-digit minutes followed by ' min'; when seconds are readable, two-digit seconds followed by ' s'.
2 h 57 min 02 s
